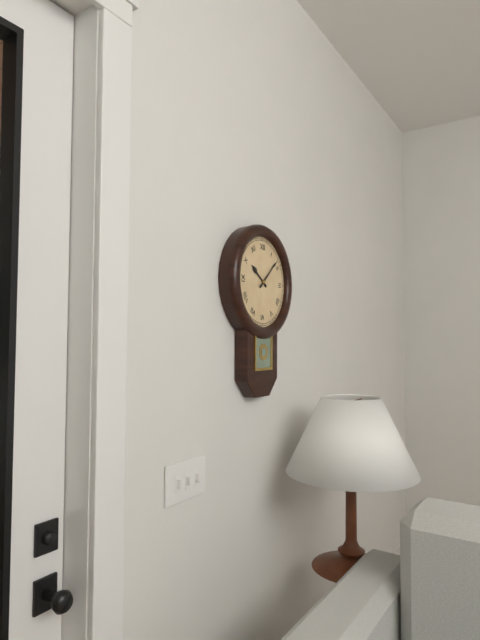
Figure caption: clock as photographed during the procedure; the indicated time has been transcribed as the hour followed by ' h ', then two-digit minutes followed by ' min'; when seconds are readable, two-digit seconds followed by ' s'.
10 h 08 min
